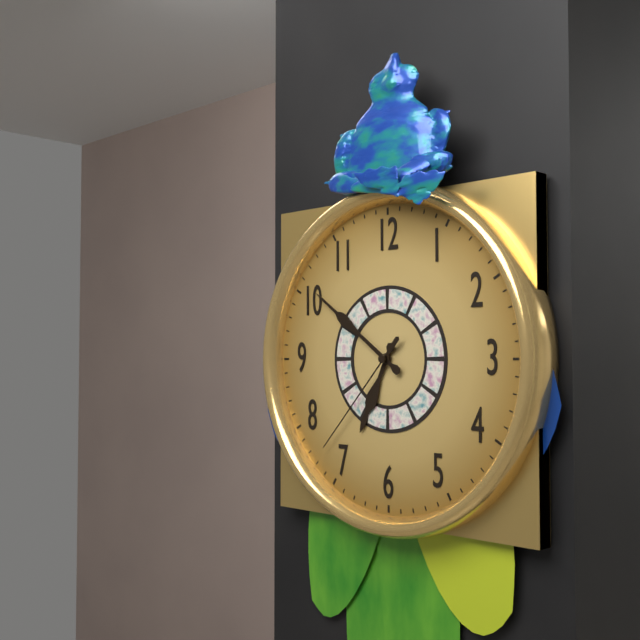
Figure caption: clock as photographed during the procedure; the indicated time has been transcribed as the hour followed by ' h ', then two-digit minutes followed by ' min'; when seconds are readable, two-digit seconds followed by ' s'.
6 h 51 min 37 s
